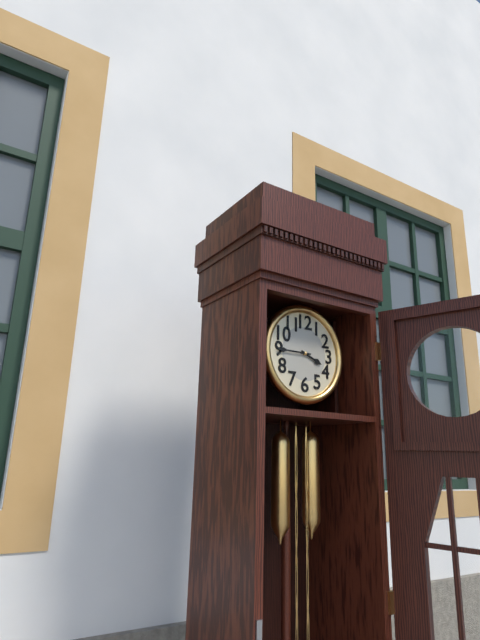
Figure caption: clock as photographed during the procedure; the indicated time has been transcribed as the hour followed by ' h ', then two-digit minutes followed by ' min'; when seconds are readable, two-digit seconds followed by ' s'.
3 h 45 min
